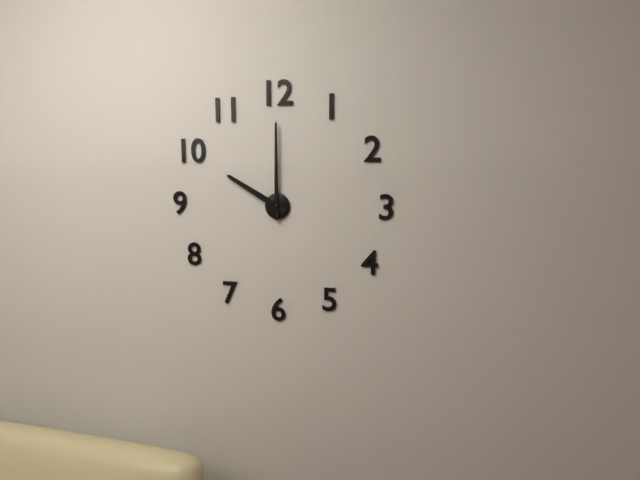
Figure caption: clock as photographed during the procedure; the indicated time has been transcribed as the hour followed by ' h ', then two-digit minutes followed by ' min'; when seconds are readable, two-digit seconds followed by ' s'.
10 h 00 min
